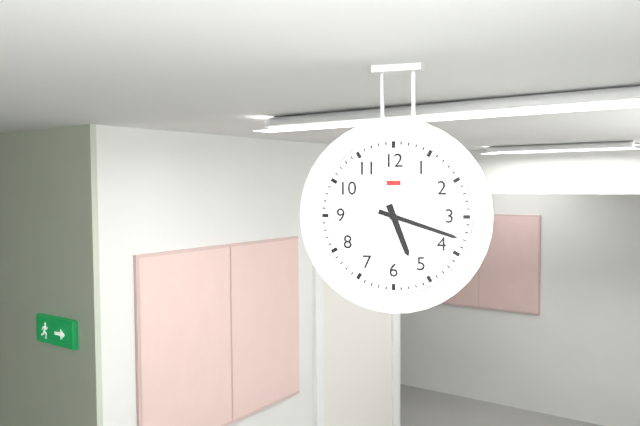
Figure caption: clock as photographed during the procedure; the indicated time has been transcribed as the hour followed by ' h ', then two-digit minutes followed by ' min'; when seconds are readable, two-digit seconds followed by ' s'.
5 h 18 min
